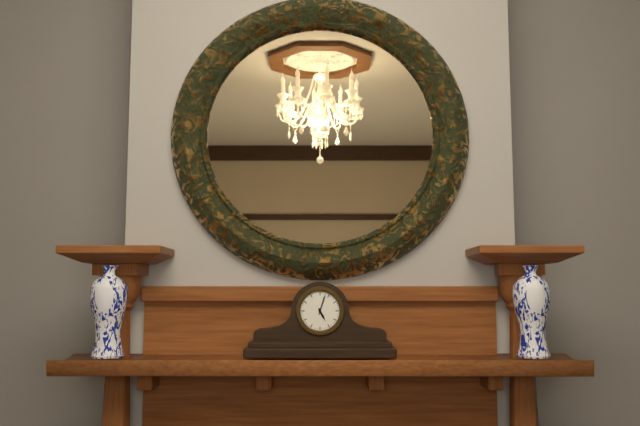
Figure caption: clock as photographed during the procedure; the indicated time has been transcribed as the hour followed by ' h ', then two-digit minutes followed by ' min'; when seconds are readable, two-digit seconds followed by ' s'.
5 h 03 min
